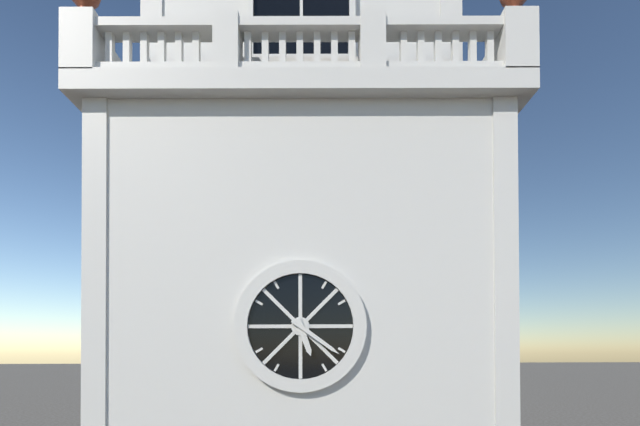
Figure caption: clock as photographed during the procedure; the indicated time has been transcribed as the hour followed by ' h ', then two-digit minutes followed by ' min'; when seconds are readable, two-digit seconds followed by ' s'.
5 h 21 min
